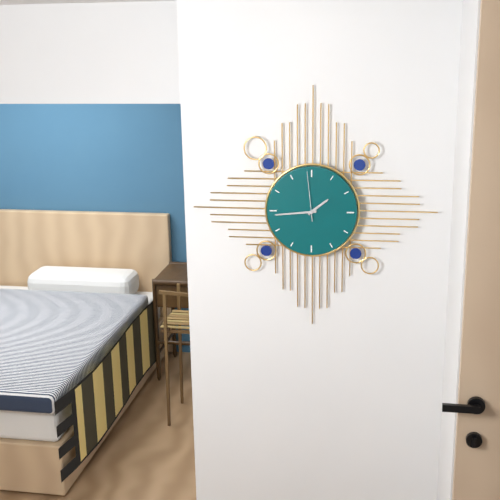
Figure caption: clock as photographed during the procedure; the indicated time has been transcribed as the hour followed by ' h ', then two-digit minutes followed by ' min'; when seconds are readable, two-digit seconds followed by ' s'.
1 h 44 min
